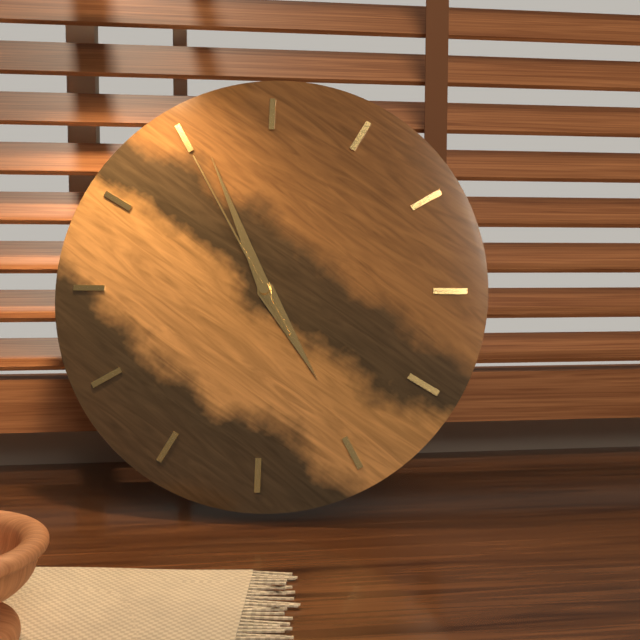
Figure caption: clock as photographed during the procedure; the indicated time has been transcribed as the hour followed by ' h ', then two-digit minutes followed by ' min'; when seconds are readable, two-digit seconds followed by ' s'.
4 h 56 min 55 s
